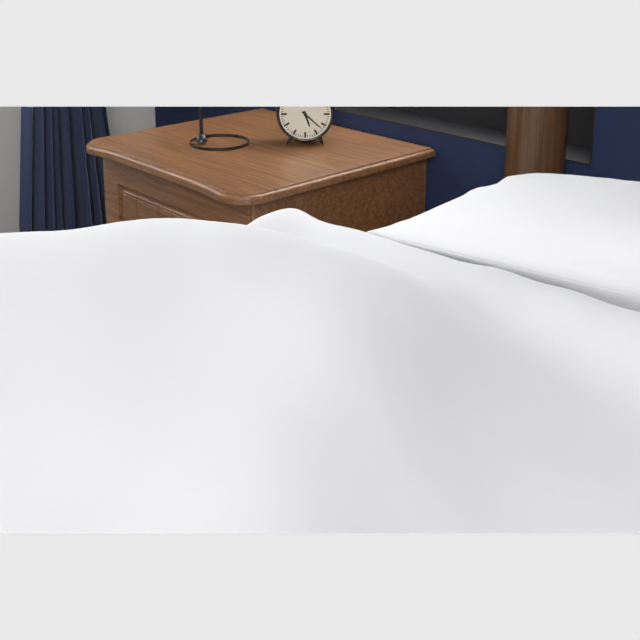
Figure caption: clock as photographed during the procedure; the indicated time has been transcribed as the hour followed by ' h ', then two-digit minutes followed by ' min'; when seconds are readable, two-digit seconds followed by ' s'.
5 h 22 min
